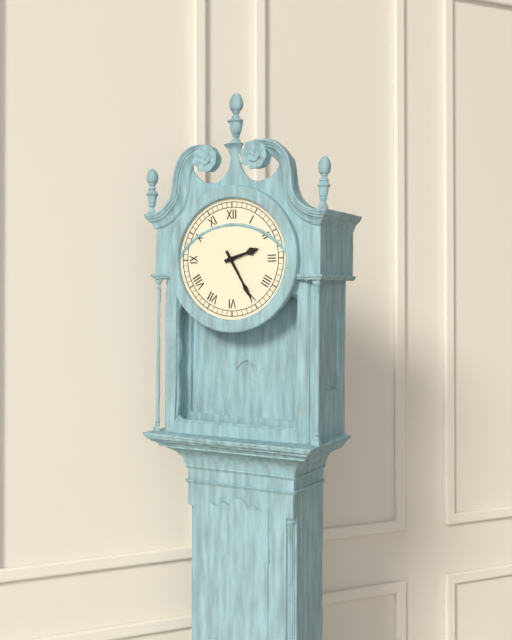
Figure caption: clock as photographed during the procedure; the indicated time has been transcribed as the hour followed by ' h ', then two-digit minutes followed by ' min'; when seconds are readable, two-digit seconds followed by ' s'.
2 h 25 min
